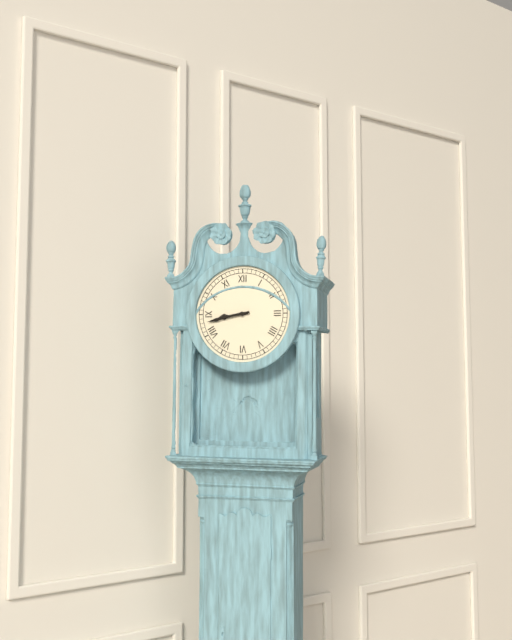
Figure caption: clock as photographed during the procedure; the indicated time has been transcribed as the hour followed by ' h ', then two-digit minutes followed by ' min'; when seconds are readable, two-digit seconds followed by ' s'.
8 h 43 min
